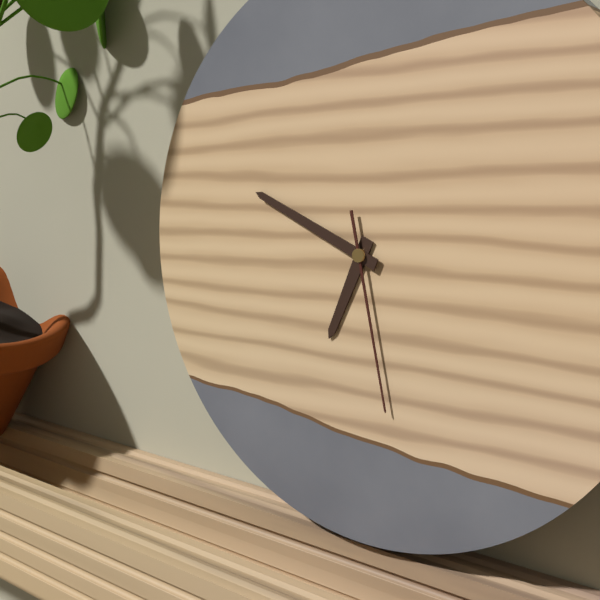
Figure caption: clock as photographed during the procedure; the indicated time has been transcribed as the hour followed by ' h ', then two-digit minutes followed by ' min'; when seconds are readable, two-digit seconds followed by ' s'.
6 h 49 min 28 s
